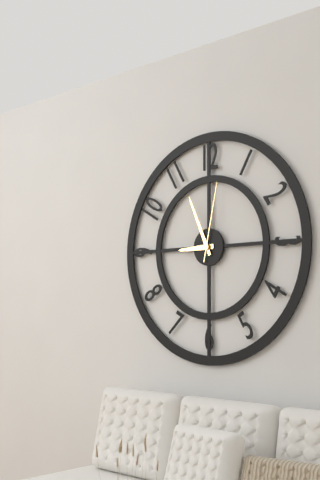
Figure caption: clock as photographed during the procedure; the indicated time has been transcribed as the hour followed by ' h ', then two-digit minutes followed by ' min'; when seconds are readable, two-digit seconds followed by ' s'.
8 h 56 min 02 s
